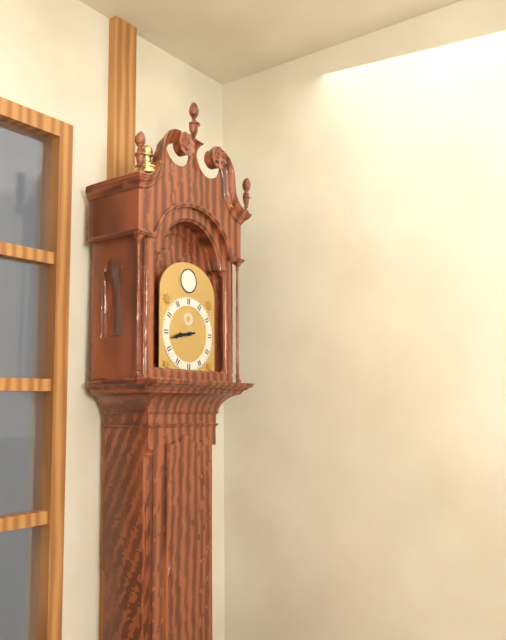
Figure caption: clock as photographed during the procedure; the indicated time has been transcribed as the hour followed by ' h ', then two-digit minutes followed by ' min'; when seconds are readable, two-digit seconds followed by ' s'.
8 h 43 min
